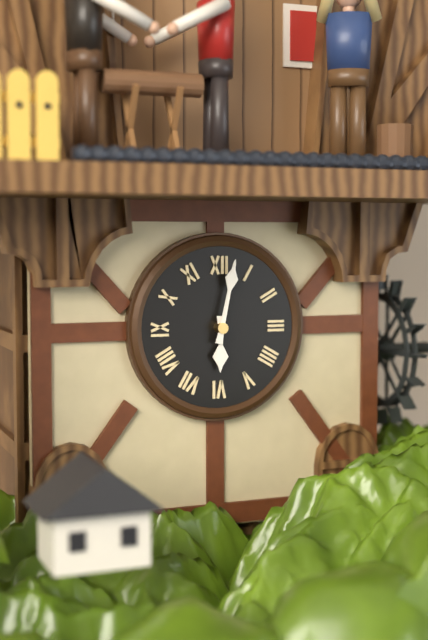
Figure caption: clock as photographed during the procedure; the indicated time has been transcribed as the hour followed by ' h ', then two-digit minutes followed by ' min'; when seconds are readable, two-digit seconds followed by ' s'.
6 h 02 min
